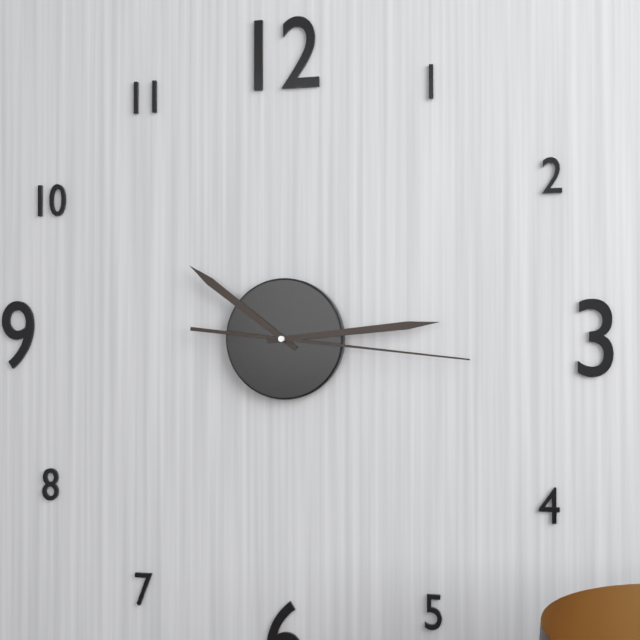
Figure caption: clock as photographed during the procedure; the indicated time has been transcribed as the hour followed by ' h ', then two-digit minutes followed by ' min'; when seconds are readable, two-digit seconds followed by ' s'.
10 h 14 min 16 s
